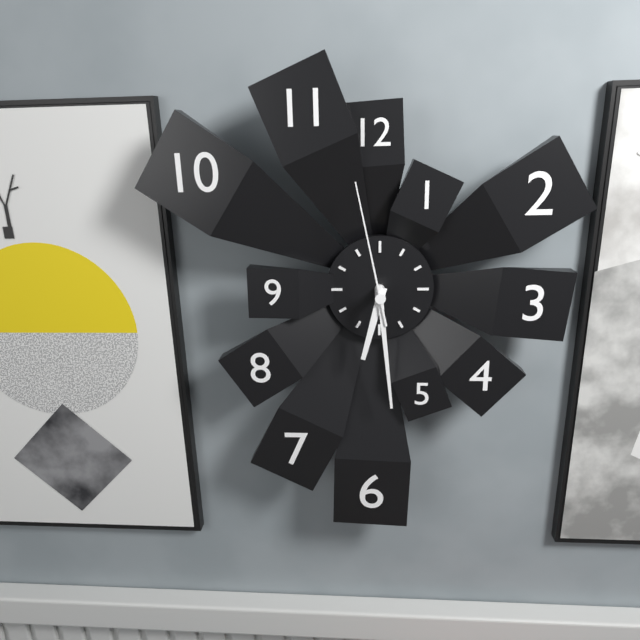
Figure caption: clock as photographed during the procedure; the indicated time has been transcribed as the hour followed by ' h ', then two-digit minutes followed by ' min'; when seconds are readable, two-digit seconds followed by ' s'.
6 h 29 min 58 s
